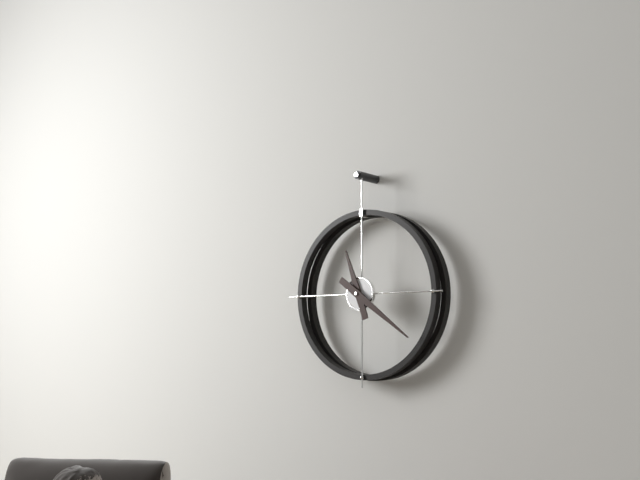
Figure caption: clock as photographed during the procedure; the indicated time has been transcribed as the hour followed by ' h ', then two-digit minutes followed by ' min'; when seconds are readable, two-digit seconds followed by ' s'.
11 h 21 min
